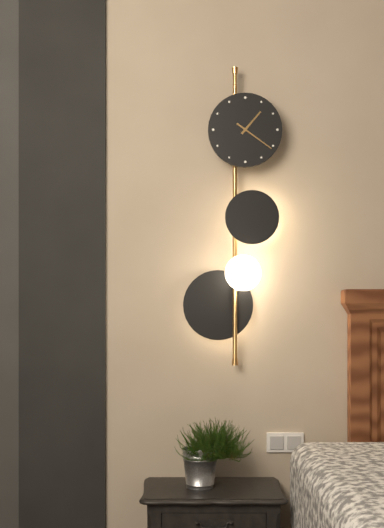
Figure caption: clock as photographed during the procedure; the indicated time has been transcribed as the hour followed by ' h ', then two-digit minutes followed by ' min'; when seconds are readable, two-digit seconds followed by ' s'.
1 h 21 min
